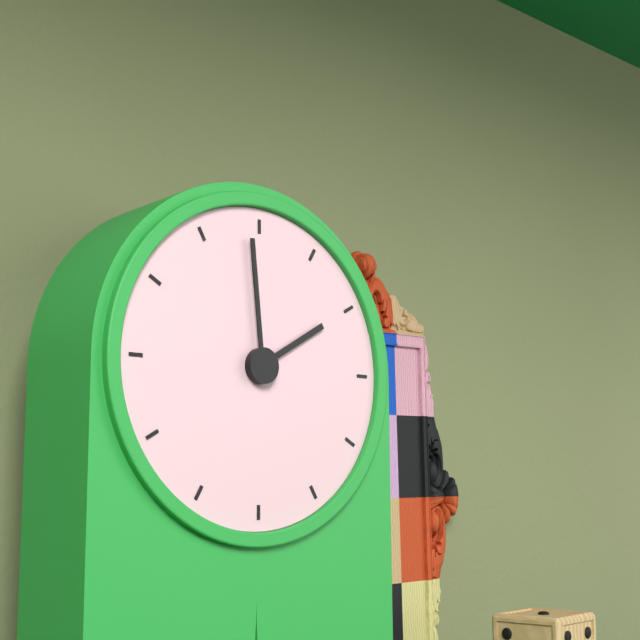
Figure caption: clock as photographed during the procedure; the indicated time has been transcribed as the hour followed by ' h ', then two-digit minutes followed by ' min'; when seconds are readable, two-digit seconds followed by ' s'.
1 h 59 min
